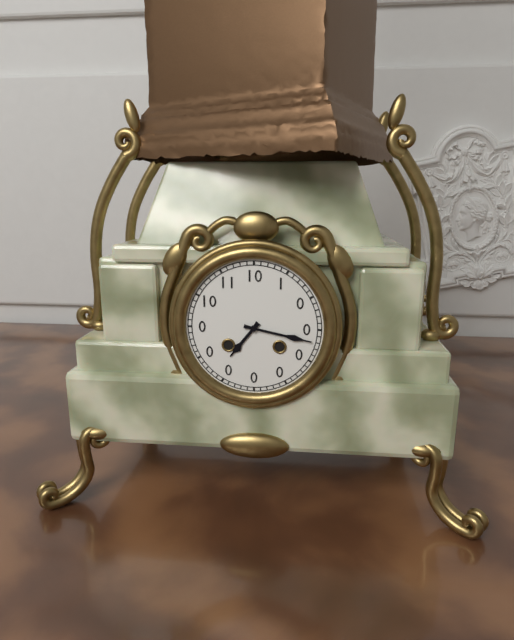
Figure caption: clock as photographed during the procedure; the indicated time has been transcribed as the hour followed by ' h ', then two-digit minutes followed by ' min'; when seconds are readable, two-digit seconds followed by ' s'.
7 h 17 min
